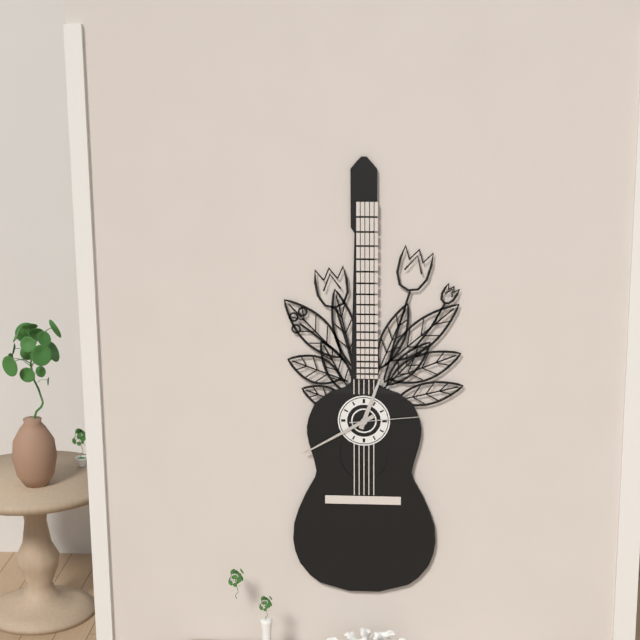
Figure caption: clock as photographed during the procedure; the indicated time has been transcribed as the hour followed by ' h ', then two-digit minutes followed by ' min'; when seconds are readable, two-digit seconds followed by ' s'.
12 h 40 min 14 s
